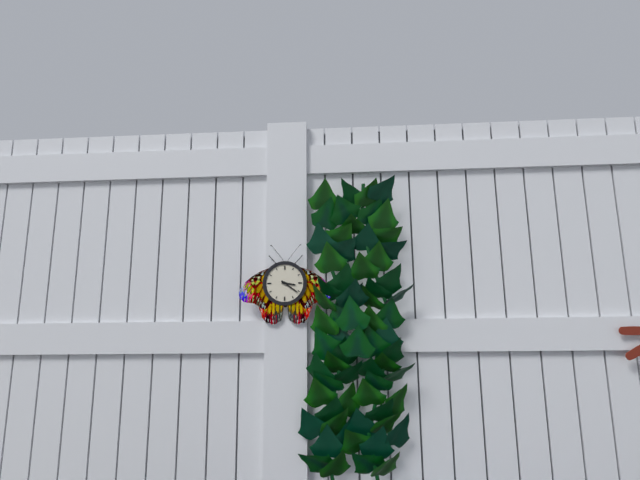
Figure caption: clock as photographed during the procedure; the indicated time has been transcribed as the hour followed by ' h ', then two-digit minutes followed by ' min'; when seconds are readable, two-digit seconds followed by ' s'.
3 h 21 min
